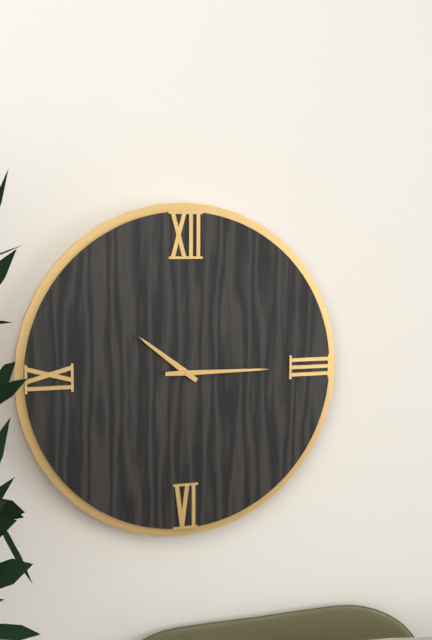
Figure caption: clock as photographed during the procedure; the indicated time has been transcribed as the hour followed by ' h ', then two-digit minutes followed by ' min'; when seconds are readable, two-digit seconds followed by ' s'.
10 h 15 min
